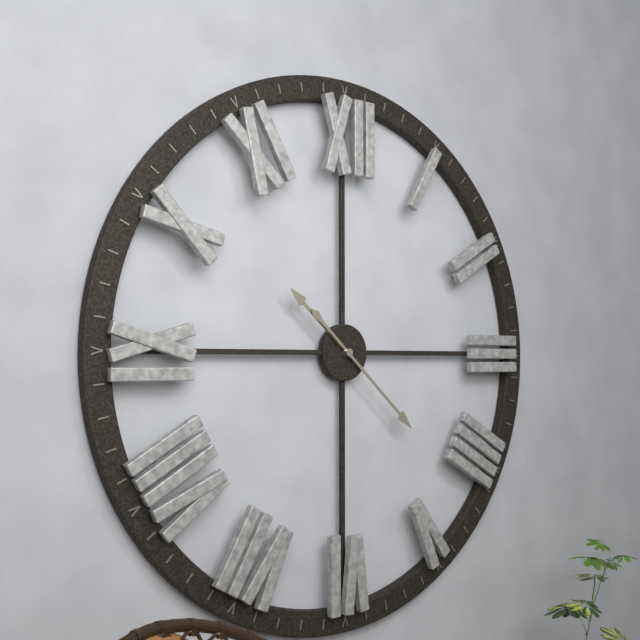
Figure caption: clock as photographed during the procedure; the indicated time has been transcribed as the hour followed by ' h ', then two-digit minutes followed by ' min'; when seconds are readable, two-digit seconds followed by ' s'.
10 h 22 min
